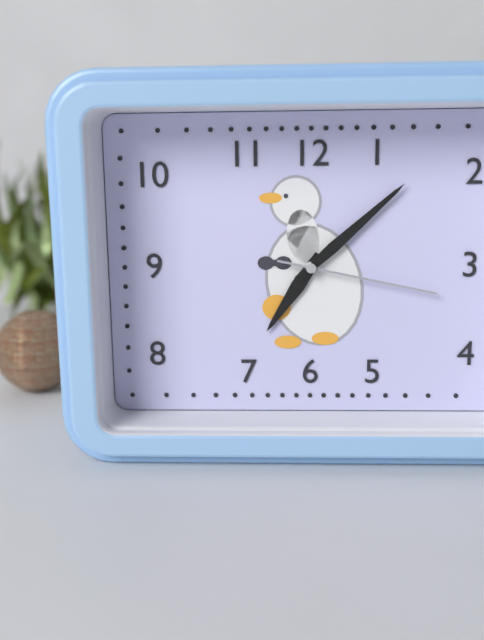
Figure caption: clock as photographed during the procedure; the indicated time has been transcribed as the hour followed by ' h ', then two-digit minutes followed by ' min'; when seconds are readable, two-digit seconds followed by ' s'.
7 h 08 min 17 s
